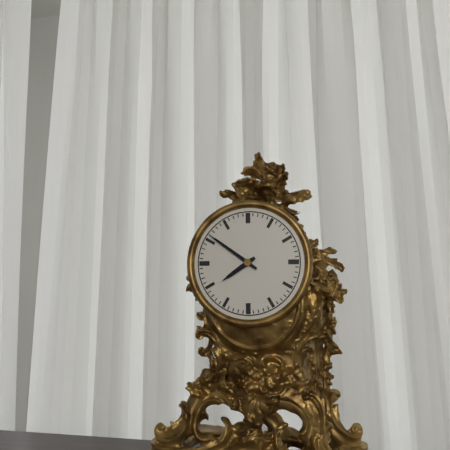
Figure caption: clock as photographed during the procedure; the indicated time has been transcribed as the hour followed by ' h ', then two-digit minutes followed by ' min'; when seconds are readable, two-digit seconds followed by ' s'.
7 h 51 min
